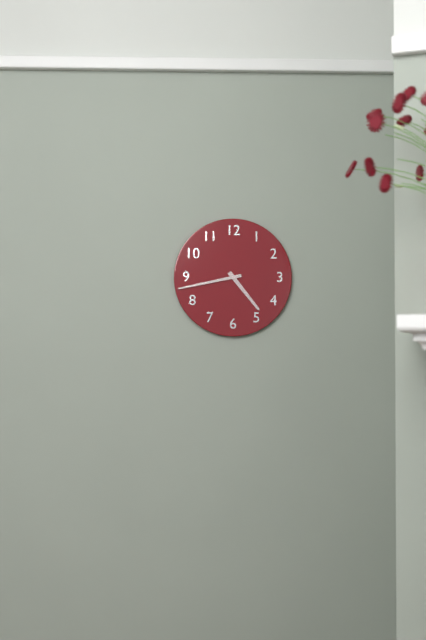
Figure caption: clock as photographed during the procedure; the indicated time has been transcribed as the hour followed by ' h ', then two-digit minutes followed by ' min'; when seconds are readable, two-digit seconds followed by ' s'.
4 h 43 min
